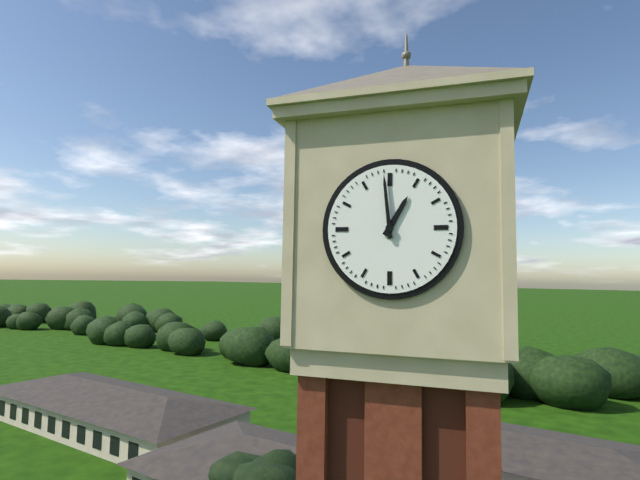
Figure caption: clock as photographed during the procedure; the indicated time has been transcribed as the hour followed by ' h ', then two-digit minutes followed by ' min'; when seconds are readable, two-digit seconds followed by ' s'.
12 h 59 min
